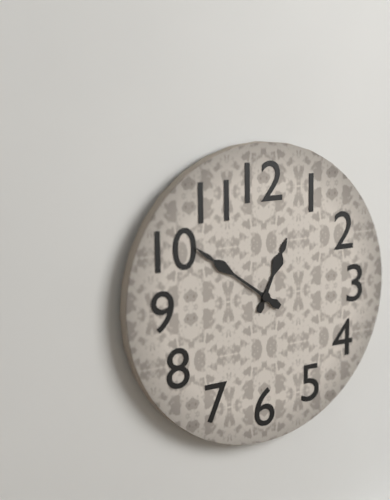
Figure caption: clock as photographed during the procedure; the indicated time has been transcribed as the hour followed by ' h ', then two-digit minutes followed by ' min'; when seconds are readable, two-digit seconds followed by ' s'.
12 h 51 min
